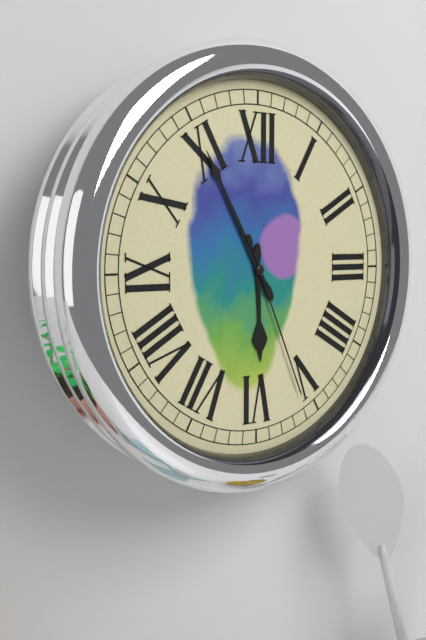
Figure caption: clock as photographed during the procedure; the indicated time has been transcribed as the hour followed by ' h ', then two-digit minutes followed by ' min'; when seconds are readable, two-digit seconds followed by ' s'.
5 h 55 min 26 s
